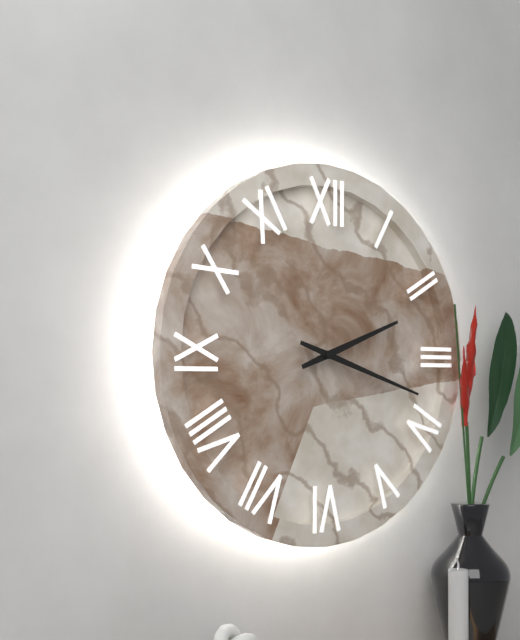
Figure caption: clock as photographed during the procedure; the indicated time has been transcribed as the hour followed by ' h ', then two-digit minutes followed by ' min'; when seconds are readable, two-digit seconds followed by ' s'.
2 h 18 min
